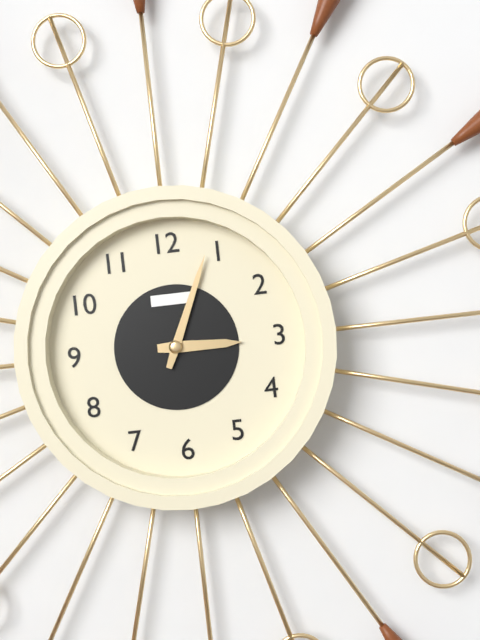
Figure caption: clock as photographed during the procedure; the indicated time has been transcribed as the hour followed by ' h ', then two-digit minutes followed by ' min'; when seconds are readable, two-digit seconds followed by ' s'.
3 h 04 min
